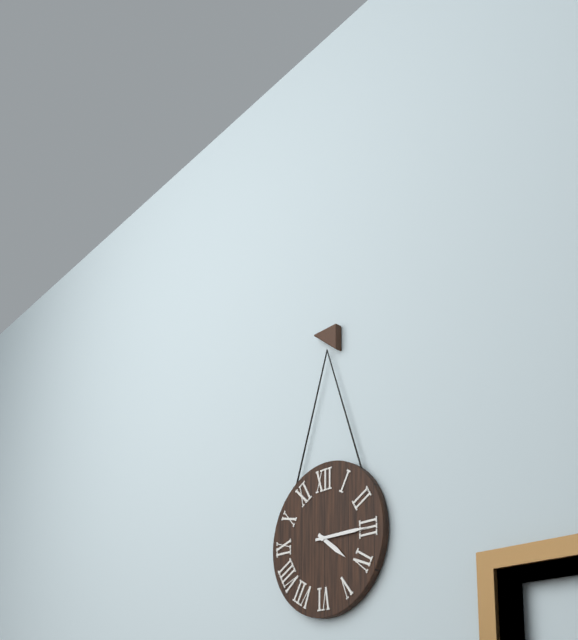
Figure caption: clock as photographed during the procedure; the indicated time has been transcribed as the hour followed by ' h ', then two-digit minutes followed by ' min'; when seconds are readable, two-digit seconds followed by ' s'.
4 h 15 min
